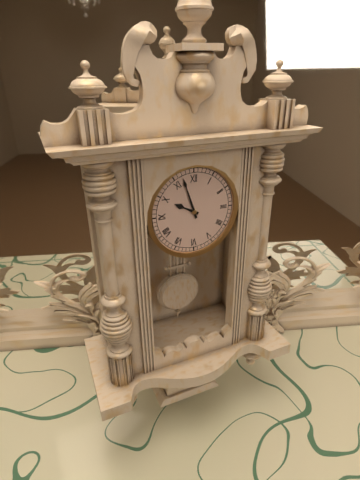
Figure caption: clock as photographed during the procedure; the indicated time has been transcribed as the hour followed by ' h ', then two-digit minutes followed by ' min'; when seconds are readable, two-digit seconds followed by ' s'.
9 h 57 min
